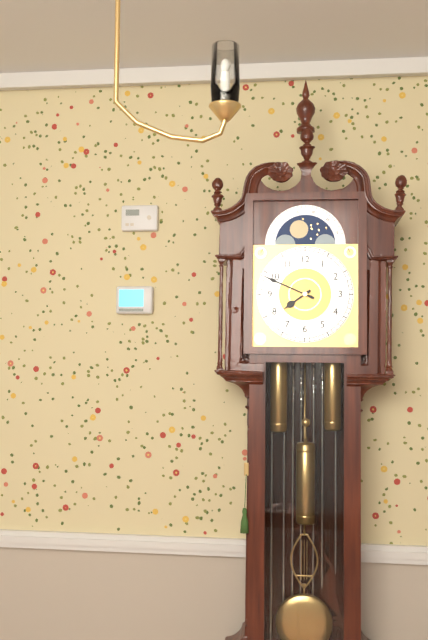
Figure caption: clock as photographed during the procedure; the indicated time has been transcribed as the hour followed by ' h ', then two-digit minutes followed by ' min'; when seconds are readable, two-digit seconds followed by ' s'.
7 h 49 min
